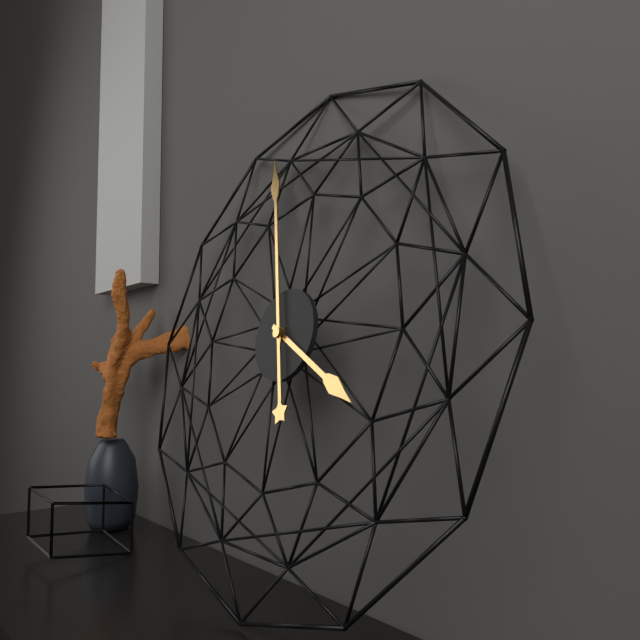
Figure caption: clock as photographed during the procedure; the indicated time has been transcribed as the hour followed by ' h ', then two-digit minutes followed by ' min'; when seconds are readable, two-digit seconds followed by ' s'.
3 h 57 min
